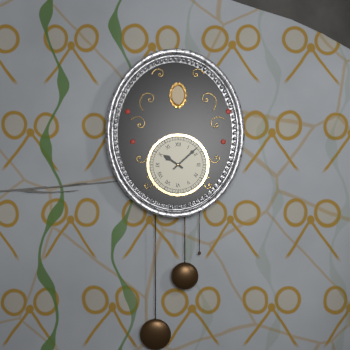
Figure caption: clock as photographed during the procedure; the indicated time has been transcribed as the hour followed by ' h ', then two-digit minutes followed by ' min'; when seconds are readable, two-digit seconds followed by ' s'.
10 h 08 min
